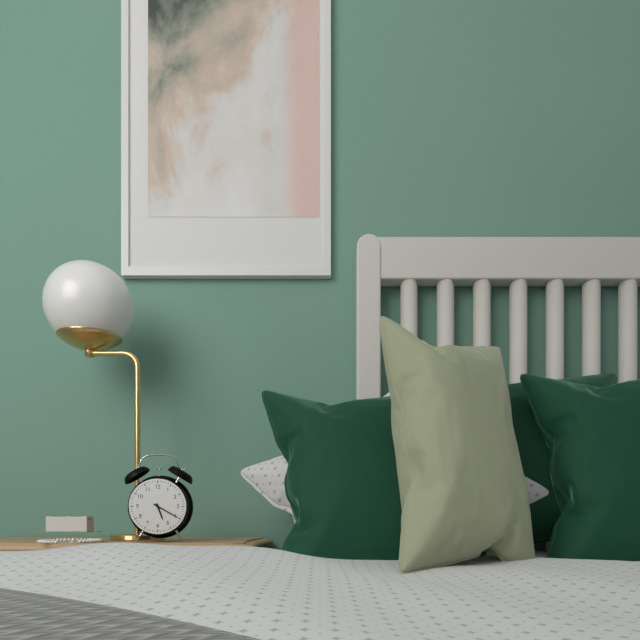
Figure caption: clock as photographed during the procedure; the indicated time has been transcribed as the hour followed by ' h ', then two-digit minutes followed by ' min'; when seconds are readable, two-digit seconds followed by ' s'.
5 h 20 min
